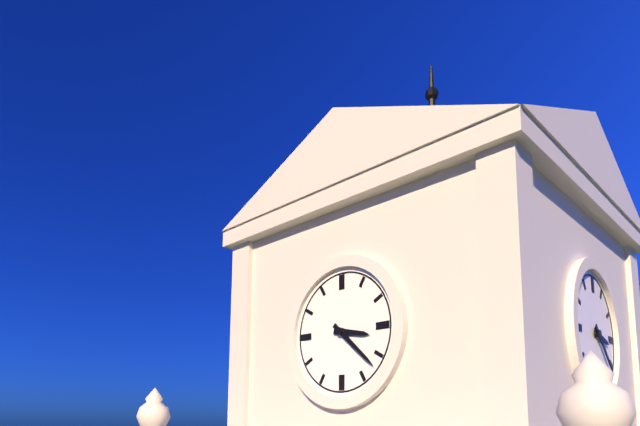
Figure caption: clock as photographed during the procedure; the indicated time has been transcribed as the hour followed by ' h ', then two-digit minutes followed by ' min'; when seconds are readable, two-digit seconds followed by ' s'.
3 h 22 min
